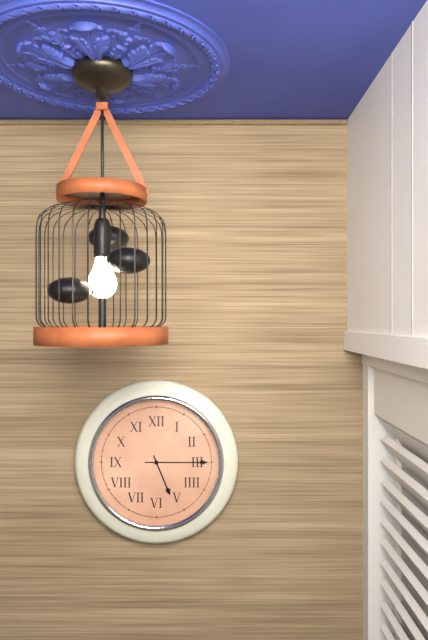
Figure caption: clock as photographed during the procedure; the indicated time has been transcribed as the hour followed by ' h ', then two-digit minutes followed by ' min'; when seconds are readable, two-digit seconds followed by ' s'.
5 h 15 min
